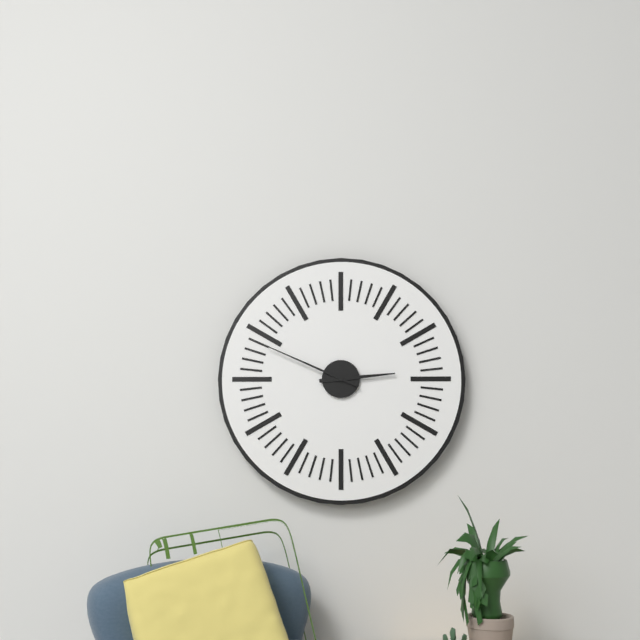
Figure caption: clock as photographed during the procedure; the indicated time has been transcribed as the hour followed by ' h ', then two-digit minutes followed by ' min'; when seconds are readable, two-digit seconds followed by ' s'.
2 h 49 min
